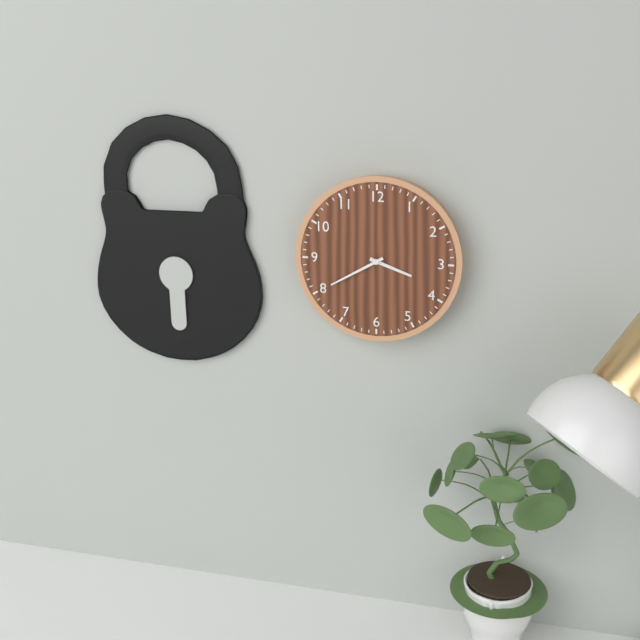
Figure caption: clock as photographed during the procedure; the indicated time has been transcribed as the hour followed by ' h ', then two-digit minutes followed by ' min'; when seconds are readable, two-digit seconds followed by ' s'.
3 h 40 min
